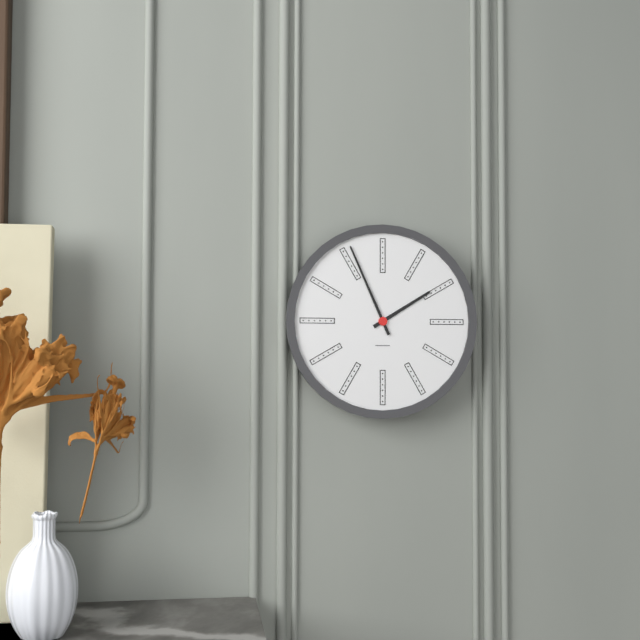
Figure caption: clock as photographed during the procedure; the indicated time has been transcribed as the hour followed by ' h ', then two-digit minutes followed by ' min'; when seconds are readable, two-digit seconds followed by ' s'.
1 h 56 min
